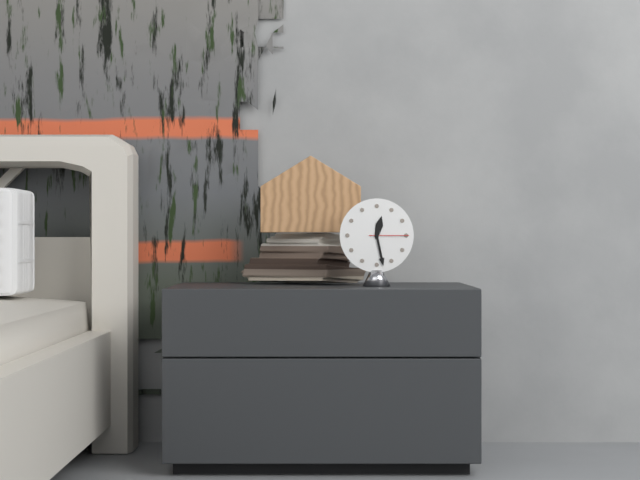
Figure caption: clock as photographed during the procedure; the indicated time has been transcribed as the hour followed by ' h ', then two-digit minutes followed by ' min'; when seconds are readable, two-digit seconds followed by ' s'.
12 h 28 min
